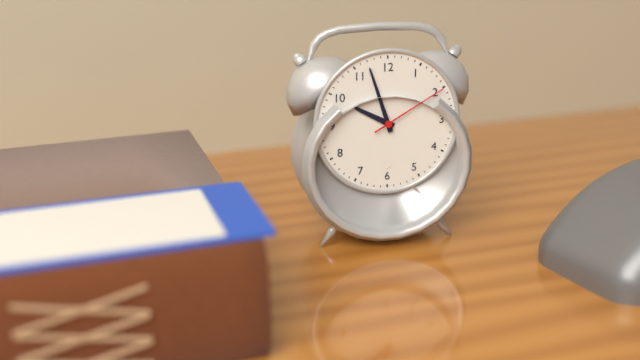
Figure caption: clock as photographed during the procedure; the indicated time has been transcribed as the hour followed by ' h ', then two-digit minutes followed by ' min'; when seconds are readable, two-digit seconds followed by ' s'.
9 h 57 min 10 s
